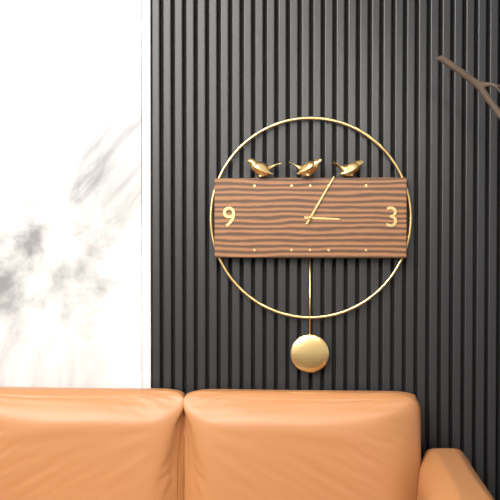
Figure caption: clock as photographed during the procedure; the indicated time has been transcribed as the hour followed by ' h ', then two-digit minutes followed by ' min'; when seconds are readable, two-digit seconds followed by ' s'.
3 h 05 min
